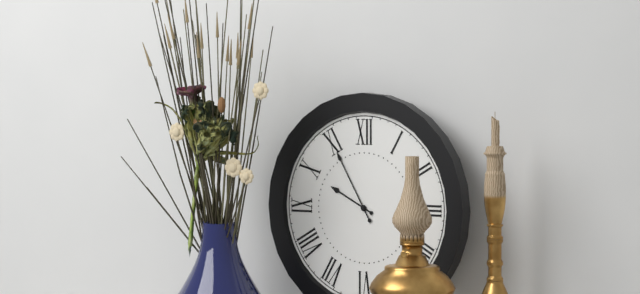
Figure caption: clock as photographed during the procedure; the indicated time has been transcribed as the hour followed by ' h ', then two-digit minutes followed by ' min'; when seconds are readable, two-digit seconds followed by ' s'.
9 h 55 min
